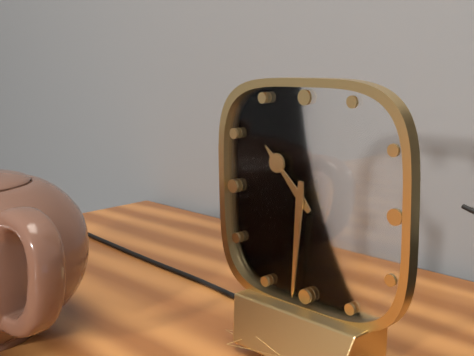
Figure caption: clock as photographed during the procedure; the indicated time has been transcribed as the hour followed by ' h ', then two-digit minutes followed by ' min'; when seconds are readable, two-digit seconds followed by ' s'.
10 h 31 min
